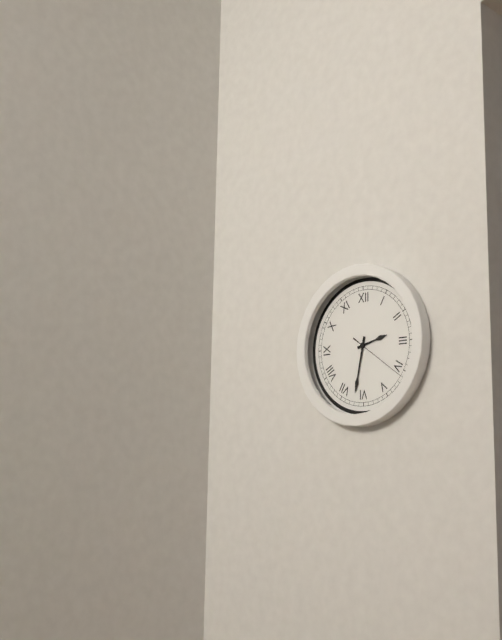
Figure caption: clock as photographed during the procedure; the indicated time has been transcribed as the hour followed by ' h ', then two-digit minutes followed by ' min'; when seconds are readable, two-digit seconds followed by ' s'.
2 h 32 min 21 s
